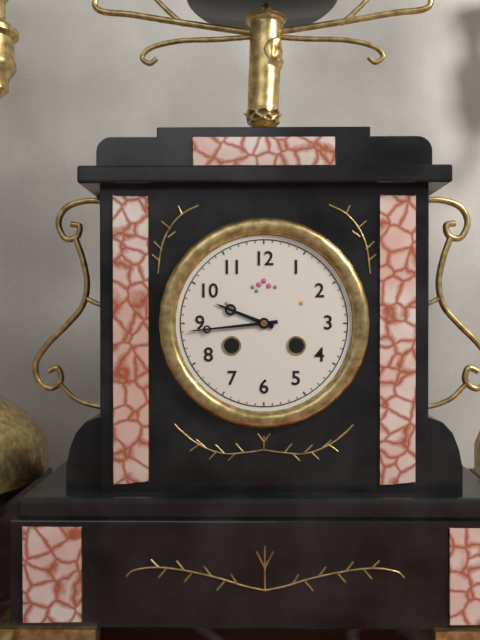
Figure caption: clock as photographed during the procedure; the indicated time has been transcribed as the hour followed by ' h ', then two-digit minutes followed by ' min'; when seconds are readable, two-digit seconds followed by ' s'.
9 h 44 min
